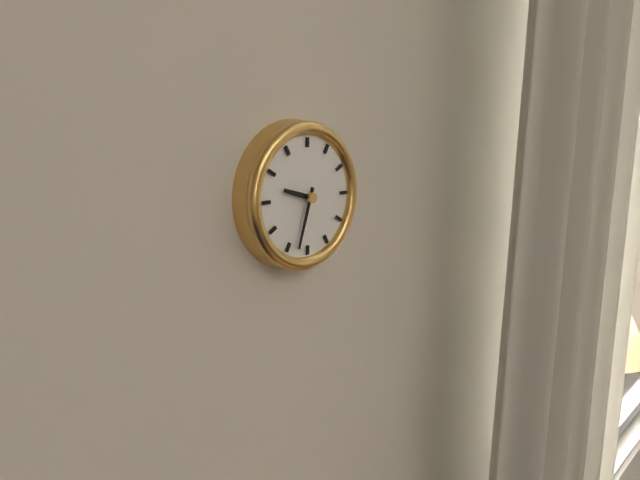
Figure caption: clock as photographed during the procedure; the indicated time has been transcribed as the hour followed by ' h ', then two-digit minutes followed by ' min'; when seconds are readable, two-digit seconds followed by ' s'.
9 h 33 min
